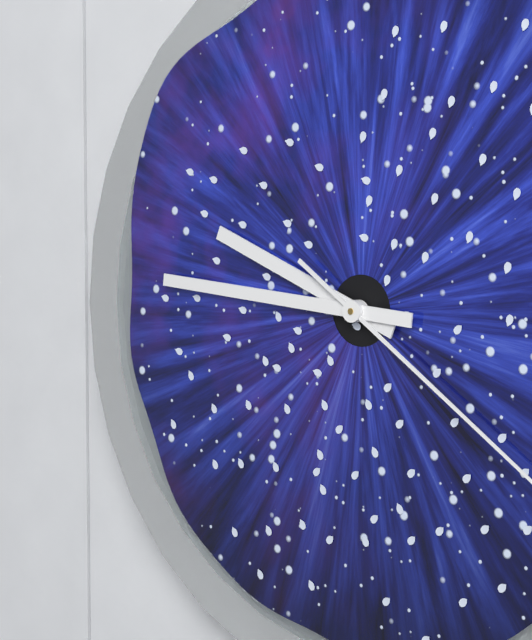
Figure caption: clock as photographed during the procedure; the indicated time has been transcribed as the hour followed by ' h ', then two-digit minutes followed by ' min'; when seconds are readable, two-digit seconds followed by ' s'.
9 h 46 min
